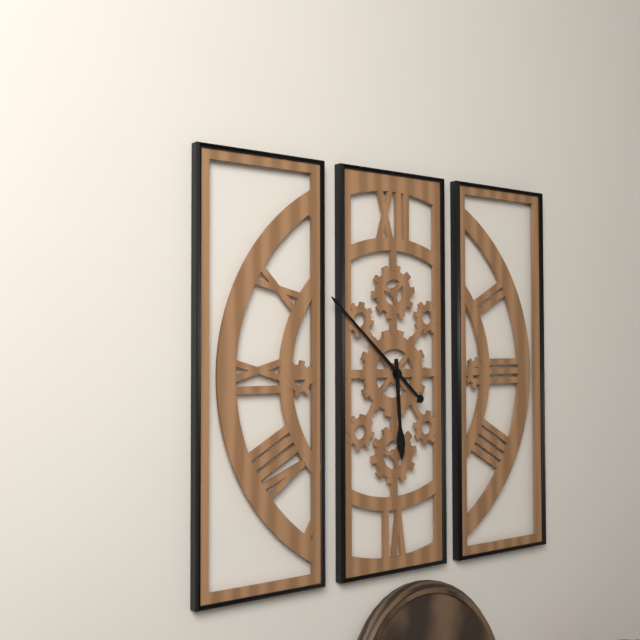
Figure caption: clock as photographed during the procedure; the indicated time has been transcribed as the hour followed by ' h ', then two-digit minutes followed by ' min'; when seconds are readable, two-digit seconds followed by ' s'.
5 h 52 min
